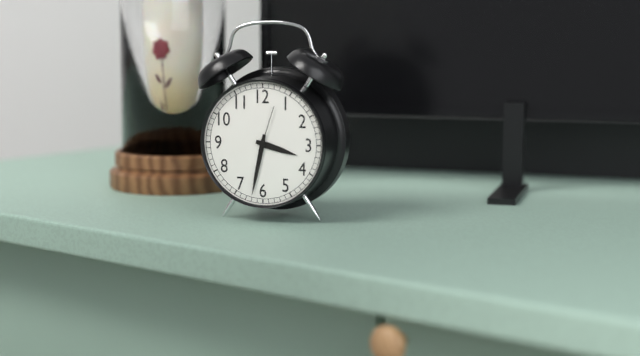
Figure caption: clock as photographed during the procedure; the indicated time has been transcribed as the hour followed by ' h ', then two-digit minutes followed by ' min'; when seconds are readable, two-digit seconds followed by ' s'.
3 h 32 min
